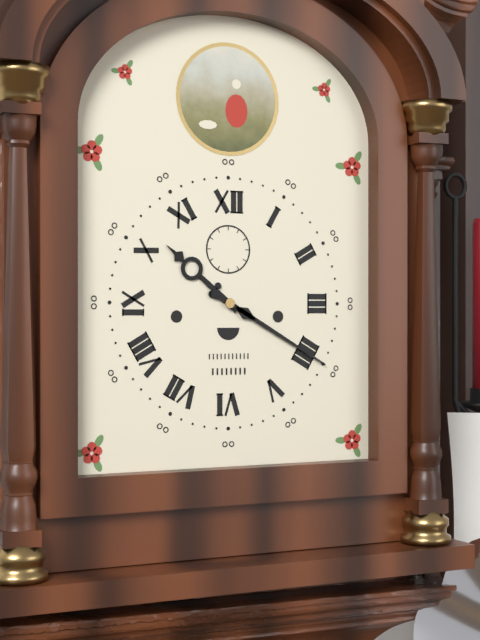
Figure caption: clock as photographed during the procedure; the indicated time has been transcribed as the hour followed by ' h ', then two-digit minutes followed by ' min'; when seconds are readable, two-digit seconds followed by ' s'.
10 h 20 min
